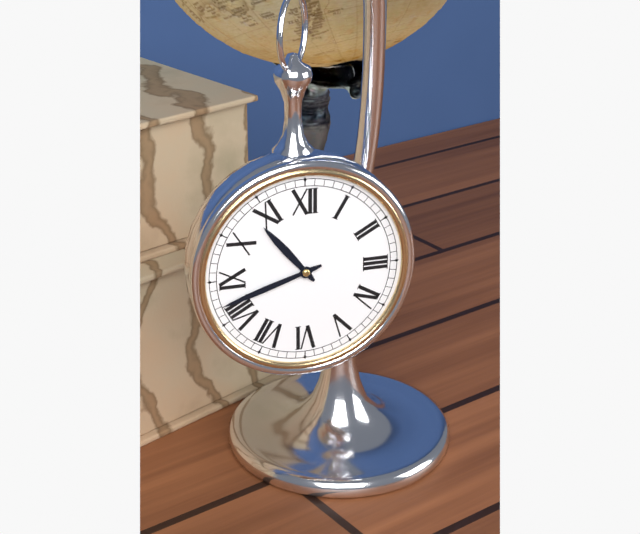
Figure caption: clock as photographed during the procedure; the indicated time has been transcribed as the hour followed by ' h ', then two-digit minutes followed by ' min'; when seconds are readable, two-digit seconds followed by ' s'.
10 h 42 min
